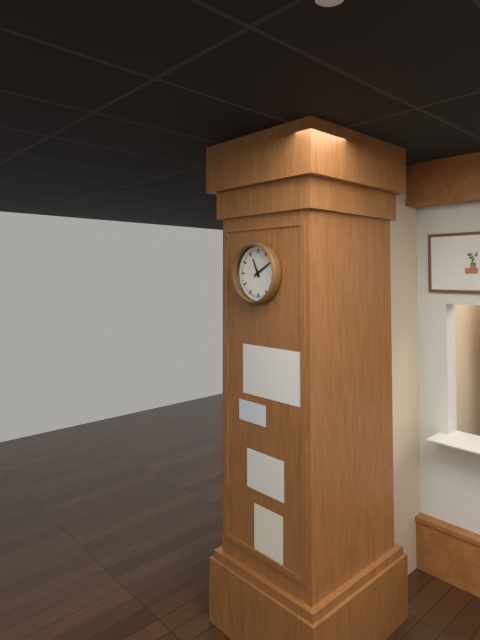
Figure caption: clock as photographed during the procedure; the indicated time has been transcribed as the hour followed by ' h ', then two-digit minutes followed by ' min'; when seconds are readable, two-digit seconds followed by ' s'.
11 h 10 min
